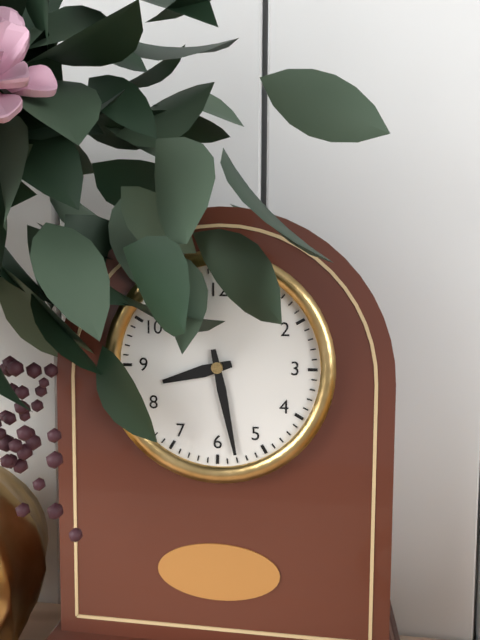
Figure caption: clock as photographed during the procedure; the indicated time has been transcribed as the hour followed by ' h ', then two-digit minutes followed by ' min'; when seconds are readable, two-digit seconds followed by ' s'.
8 h 28 min
